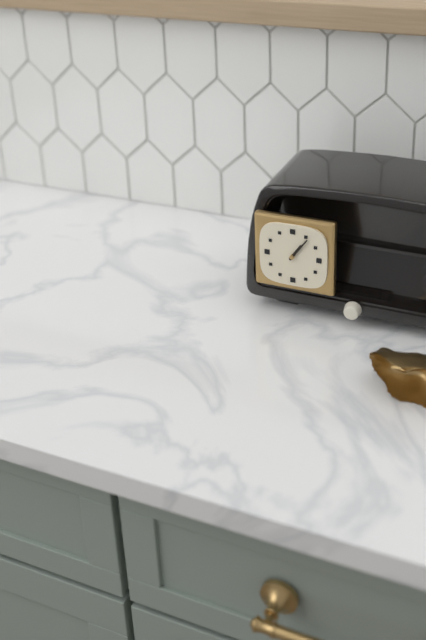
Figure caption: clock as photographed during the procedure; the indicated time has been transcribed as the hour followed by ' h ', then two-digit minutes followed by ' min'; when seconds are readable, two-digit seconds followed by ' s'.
1 h 06 min
